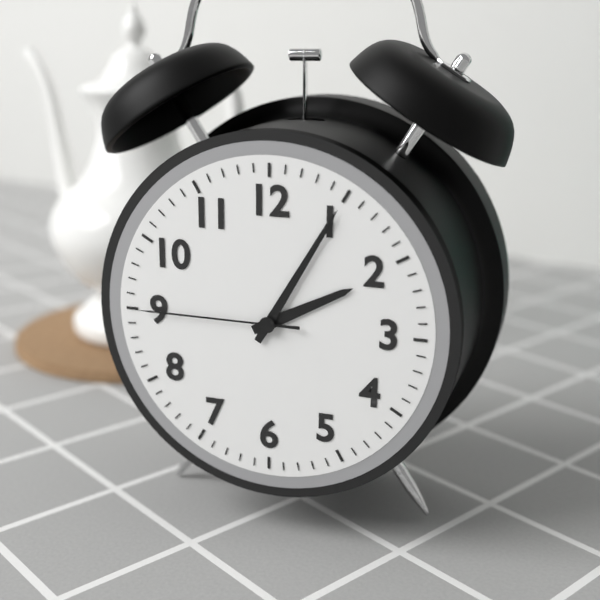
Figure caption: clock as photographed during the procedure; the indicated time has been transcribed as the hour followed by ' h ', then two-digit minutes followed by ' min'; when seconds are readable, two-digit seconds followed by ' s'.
2 h 05 min 45 s
